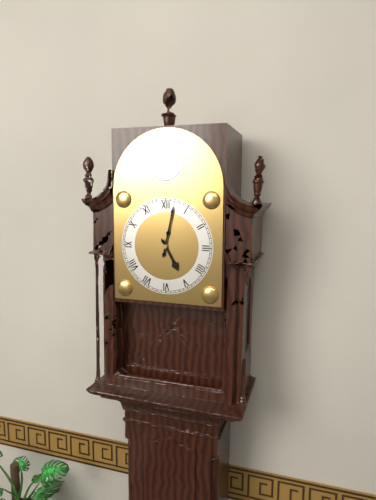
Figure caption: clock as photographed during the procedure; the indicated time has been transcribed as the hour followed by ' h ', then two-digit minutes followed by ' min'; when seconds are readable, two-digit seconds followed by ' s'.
5 h 02 min
